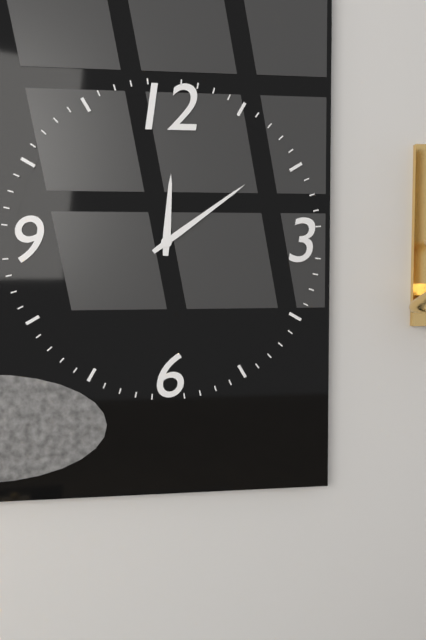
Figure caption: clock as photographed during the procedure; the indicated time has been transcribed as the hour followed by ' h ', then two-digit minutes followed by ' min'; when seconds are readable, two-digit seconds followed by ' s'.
12 h 09 min
